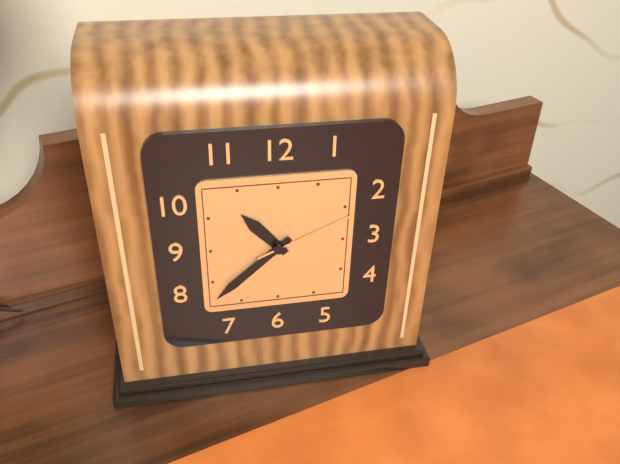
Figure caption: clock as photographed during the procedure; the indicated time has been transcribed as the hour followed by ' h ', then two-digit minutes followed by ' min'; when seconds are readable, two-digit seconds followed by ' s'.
10 h 38 min 11 s
